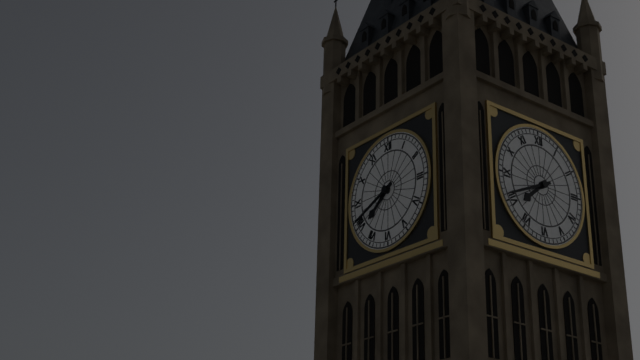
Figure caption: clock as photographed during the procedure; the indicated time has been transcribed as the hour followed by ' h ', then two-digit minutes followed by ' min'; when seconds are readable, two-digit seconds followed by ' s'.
7 h 41 min
